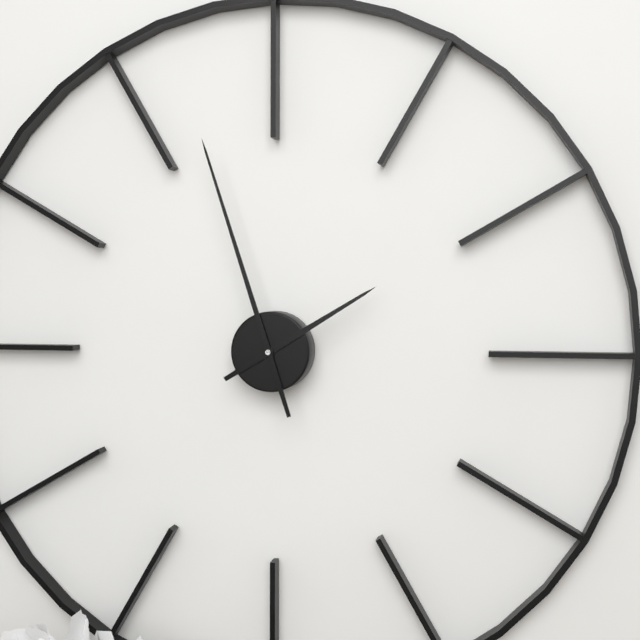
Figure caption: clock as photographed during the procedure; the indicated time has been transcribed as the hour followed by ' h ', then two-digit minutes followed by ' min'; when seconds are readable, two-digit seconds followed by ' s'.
1 h 57 min
